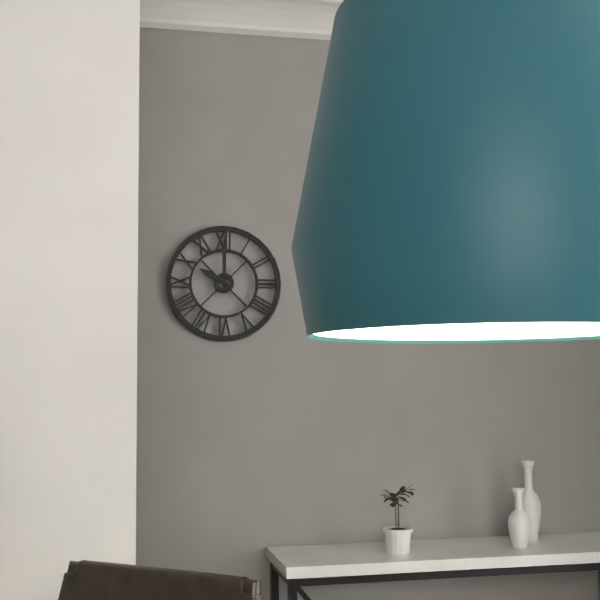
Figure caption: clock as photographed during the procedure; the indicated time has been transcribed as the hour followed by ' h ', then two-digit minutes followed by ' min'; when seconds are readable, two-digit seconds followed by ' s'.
10 h 00 min
